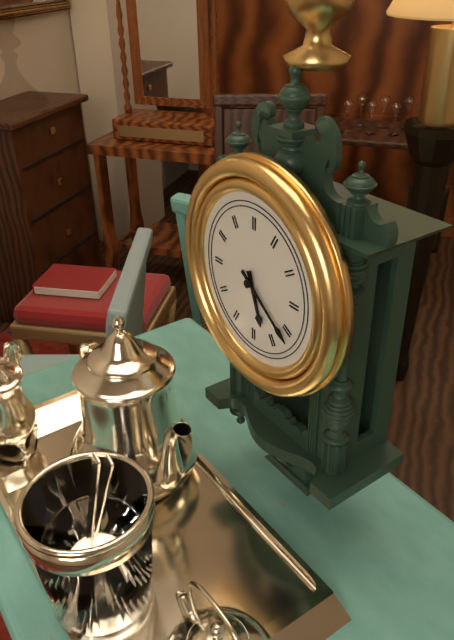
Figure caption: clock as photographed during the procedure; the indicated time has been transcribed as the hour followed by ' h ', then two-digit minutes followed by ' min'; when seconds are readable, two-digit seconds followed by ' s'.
5 h 21 min
